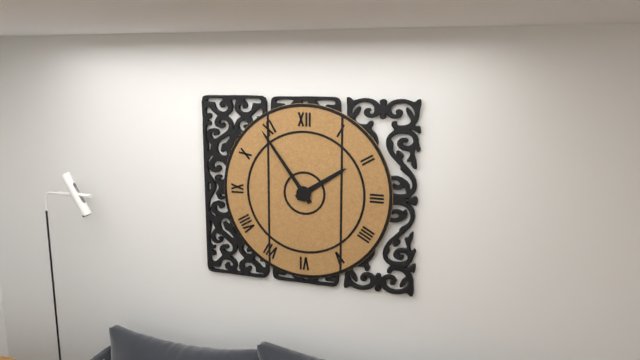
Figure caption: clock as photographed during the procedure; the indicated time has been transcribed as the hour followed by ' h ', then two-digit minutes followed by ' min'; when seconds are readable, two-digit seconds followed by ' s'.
1 h 54 min
